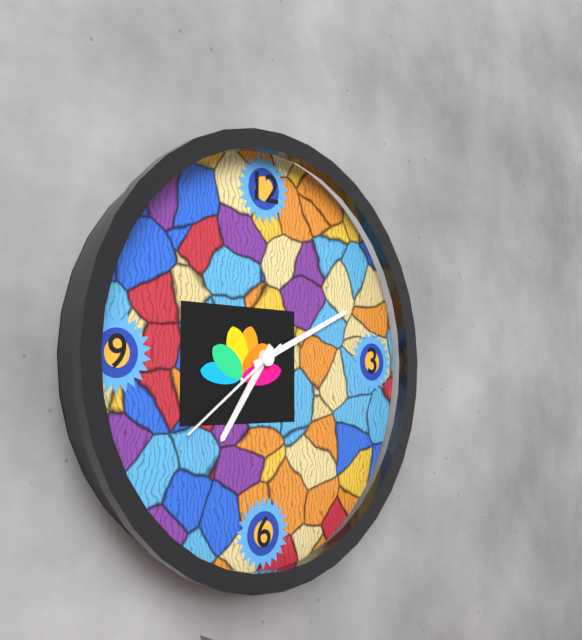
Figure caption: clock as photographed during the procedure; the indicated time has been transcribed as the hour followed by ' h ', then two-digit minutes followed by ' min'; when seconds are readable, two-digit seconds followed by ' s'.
7 h 11 min 39 s
